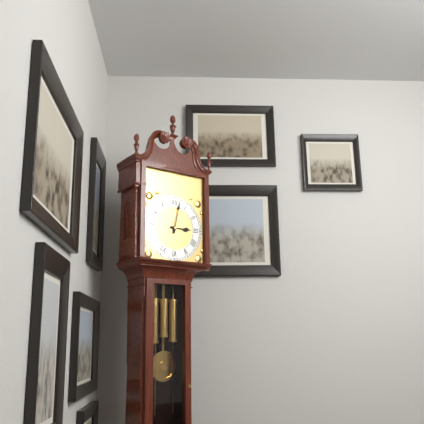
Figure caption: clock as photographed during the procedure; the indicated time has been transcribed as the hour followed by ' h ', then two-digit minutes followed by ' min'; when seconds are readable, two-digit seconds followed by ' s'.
3 h 02 min
